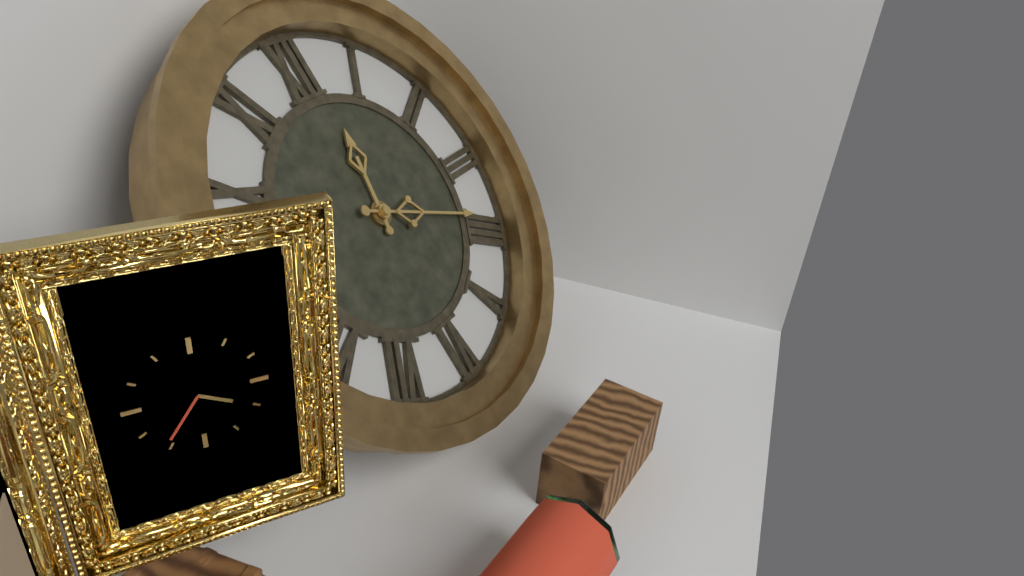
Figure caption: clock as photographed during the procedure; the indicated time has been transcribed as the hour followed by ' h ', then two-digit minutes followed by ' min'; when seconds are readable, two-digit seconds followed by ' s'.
12 h 19 min
